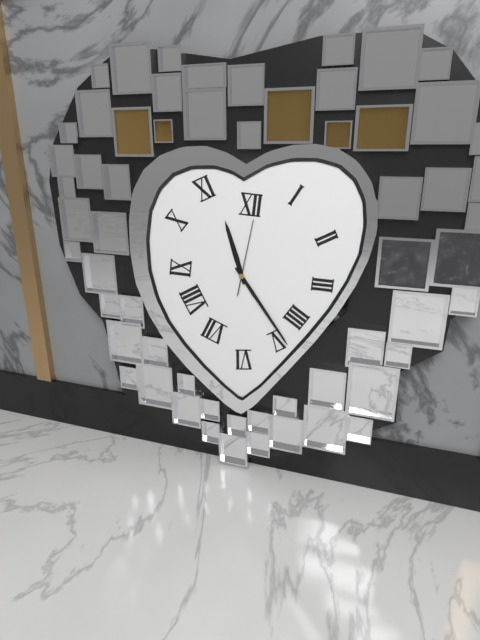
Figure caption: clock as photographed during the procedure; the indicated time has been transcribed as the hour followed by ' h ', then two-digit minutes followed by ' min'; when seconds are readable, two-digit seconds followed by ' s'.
11 h 24 min 02 s
